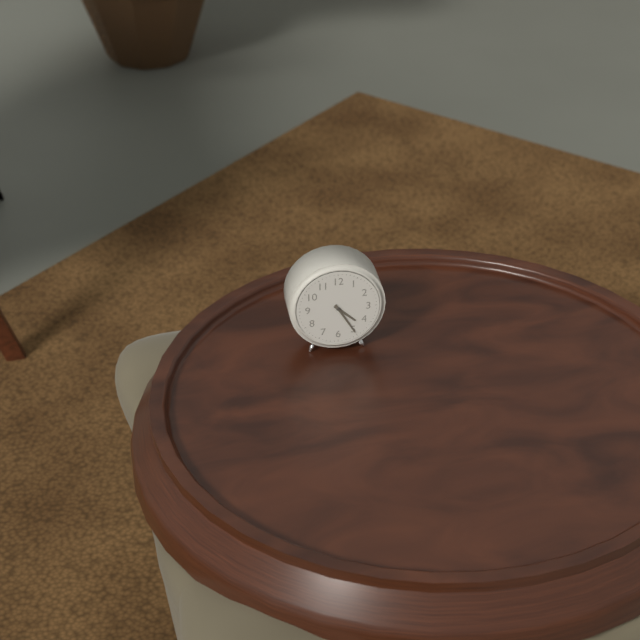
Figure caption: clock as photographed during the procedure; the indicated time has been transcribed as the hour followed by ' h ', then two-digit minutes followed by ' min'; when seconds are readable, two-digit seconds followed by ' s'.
4 h 25 min
